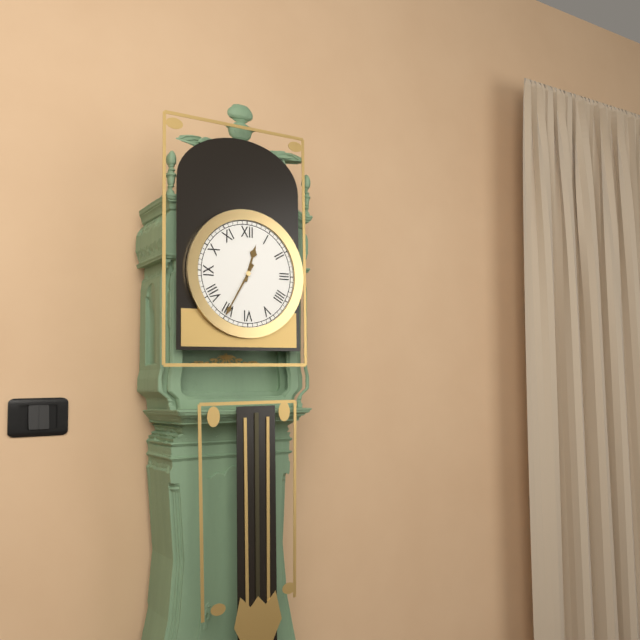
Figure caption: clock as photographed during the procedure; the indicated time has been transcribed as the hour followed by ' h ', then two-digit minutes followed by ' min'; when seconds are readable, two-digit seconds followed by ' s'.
12 h 35 min
